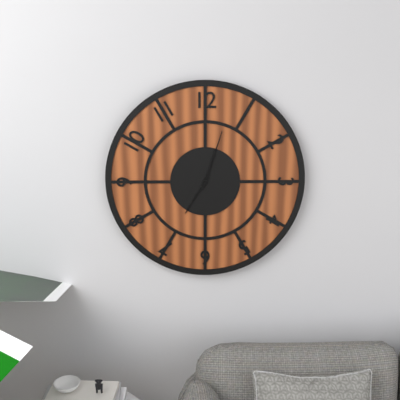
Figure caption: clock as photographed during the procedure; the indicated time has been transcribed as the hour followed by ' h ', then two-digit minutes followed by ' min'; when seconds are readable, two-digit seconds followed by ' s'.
7 h 03 min
